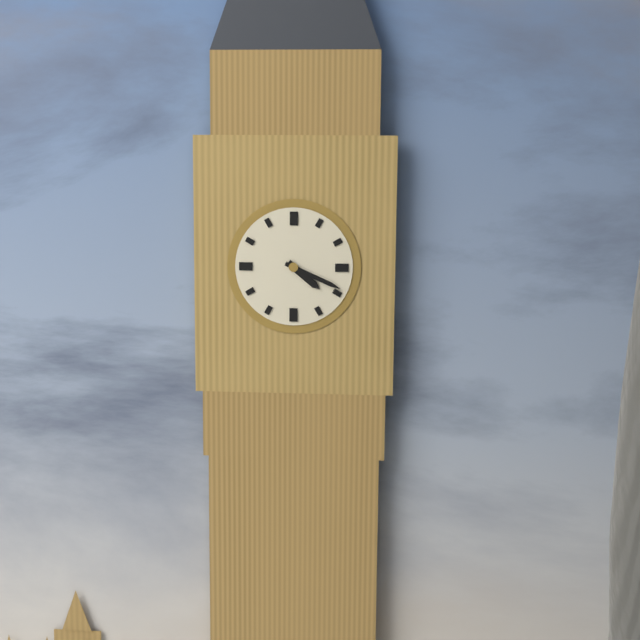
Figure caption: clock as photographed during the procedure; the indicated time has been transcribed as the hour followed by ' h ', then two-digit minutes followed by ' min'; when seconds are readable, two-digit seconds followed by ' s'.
4 h 19 min
